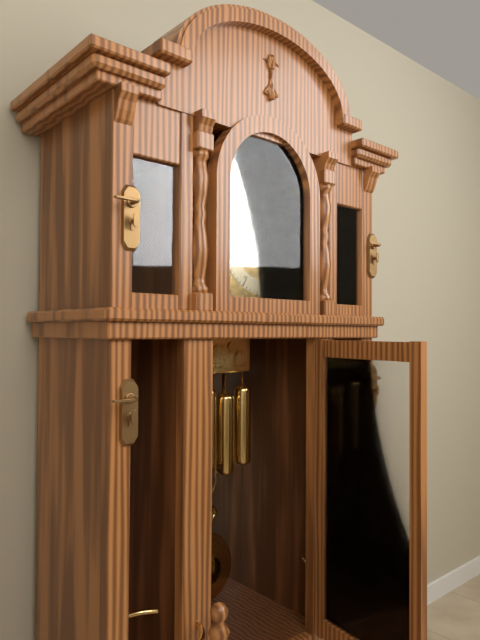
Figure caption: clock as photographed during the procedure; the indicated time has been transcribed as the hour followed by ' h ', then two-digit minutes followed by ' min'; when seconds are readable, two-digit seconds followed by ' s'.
5 h 27 min
